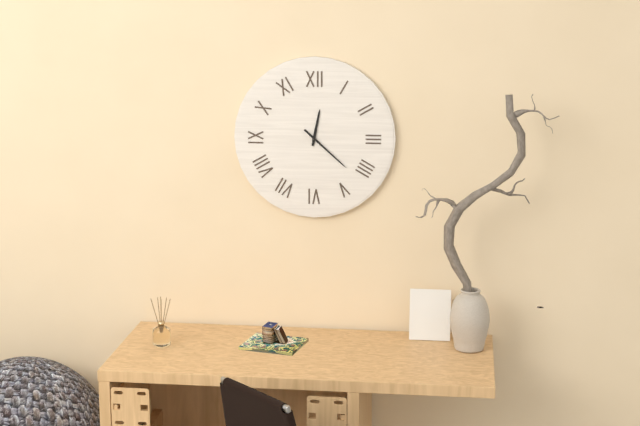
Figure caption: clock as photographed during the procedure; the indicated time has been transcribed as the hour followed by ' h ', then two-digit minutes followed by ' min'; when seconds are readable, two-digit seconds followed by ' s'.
12 h 22 min
